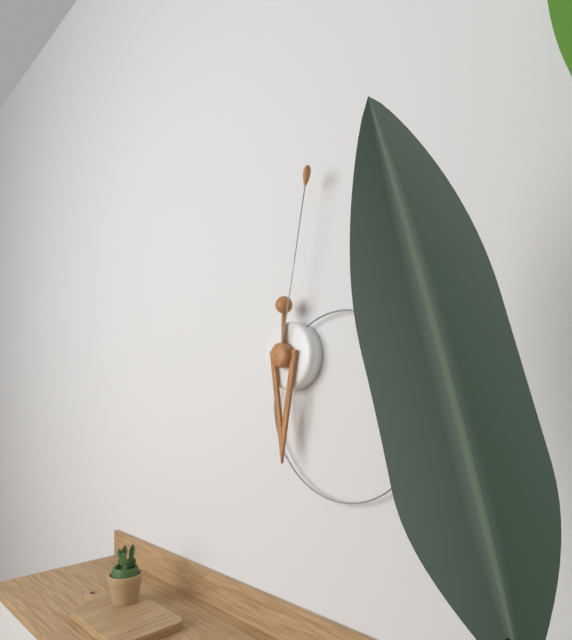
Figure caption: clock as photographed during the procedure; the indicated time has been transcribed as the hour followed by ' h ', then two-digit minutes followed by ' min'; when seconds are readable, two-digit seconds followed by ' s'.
6 h 02 min
